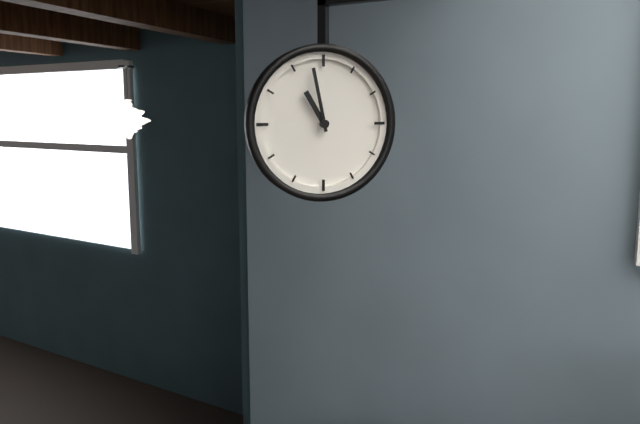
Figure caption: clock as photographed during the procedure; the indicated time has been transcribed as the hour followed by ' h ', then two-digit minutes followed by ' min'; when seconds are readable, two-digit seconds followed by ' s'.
10 h 58 min
